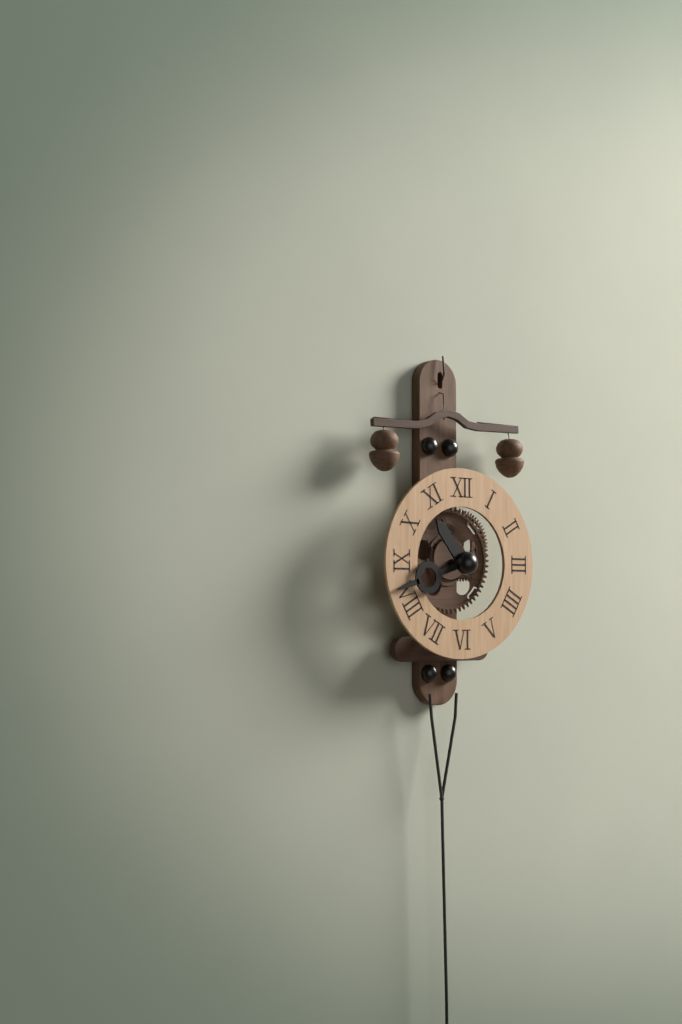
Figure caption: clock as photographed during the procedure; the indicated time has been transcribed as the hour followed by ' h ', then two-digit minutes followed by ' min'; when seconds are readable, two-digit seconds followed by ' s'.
10 h 42 min
